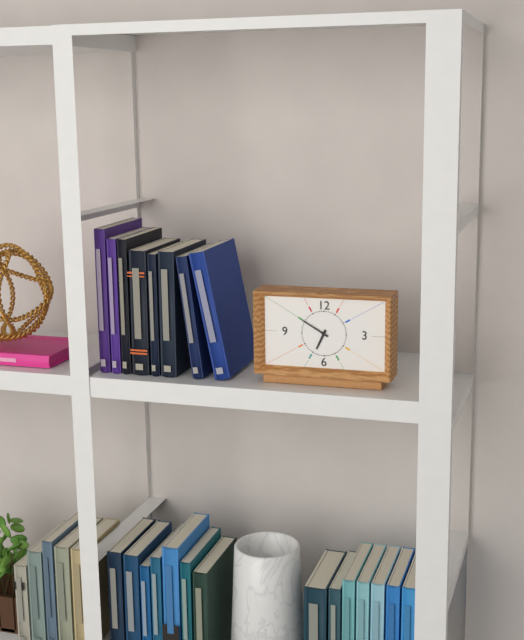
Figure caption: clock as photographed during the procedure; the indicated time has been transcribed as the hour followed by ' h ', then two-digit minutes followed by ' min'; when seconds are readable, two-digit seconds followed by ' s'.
6 h 50 min
